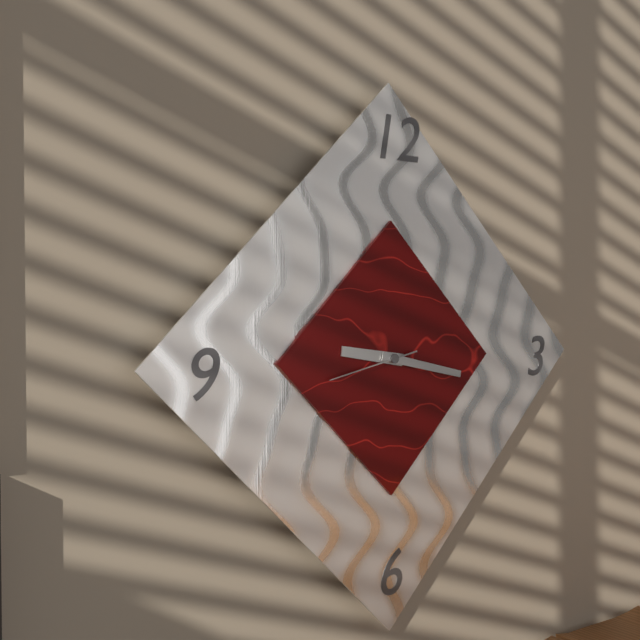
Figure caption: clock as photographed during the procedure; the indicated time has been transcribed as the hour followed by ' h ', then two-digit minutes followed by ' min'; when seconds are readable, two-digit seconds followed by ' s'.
9 h 17 min 43 s
